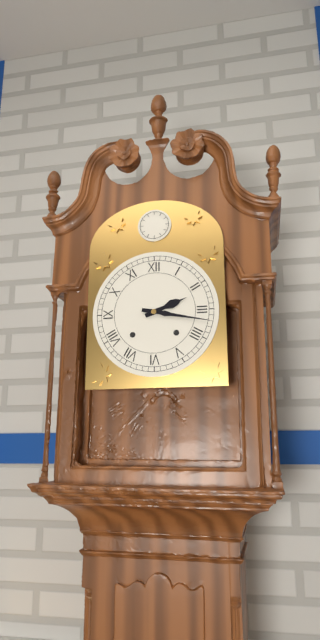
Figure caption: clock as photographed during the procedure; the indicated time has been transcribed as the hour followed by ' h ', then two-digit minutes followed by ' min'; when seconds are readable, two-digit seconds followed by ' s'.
2 h 17 min
